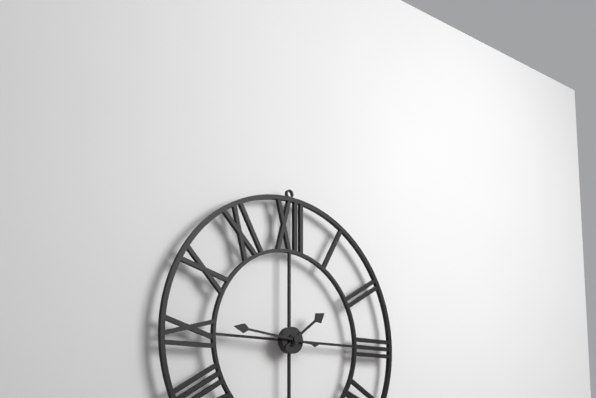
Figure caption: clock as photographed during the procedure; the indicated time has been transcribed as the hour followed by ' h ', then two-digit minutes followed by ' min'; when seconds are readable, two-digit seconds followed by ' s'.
1 h 46 min
